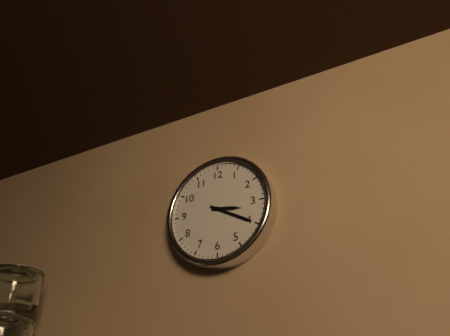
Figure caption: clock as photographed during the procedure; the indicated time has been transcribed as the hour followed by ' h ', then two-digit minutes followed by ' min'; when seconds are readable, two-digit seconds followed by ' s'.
3 h 20 min
